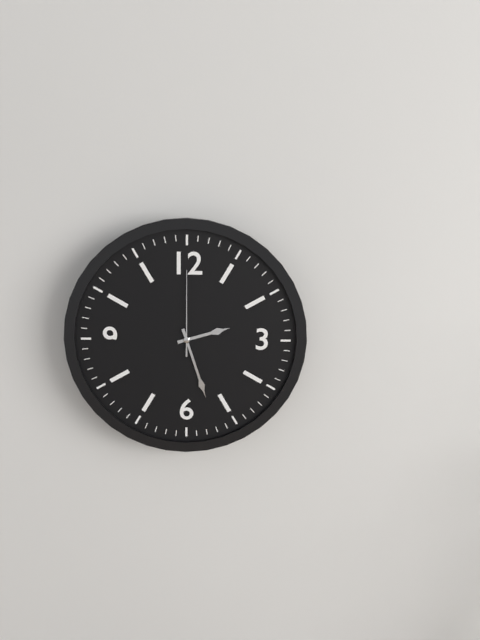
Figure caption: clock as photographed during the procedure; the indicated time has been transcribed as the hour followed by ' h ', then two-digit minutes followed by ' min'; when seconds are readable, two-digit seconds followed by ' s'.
2 h 27 min 00 s
